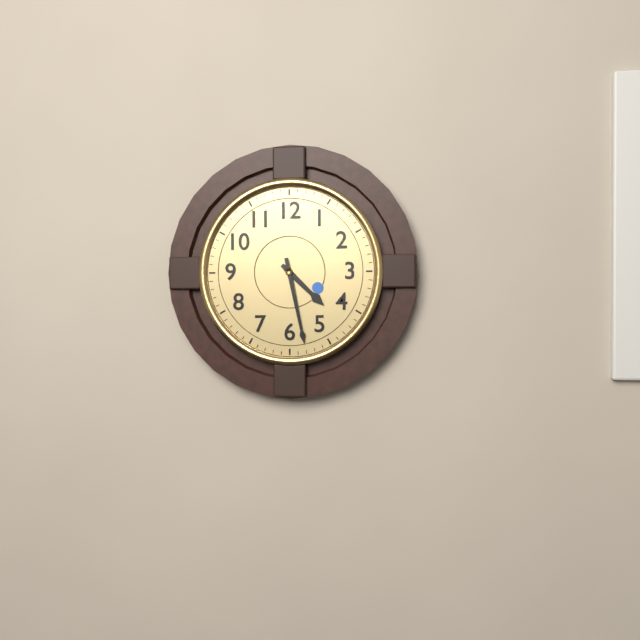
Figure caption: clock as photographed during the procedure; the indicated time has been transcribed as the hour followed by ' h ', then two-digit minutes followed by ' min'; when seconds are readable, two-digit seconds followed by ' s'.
4 h 28 min
